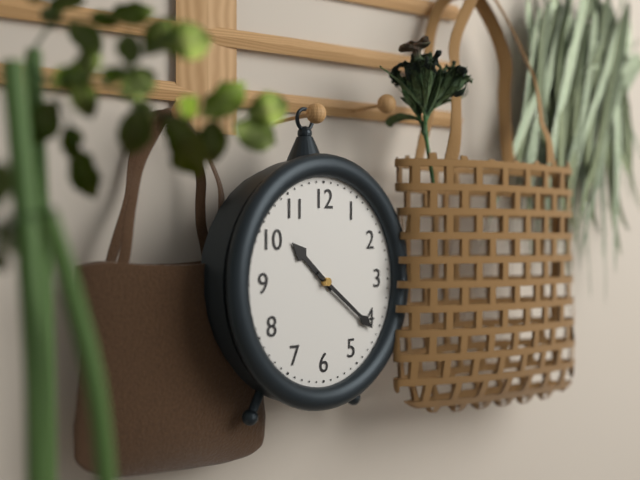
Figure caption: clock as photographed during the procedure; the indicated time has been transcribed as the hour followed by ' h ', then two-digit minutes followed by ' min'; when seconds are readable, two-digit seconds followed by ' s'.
10 h 21 min
